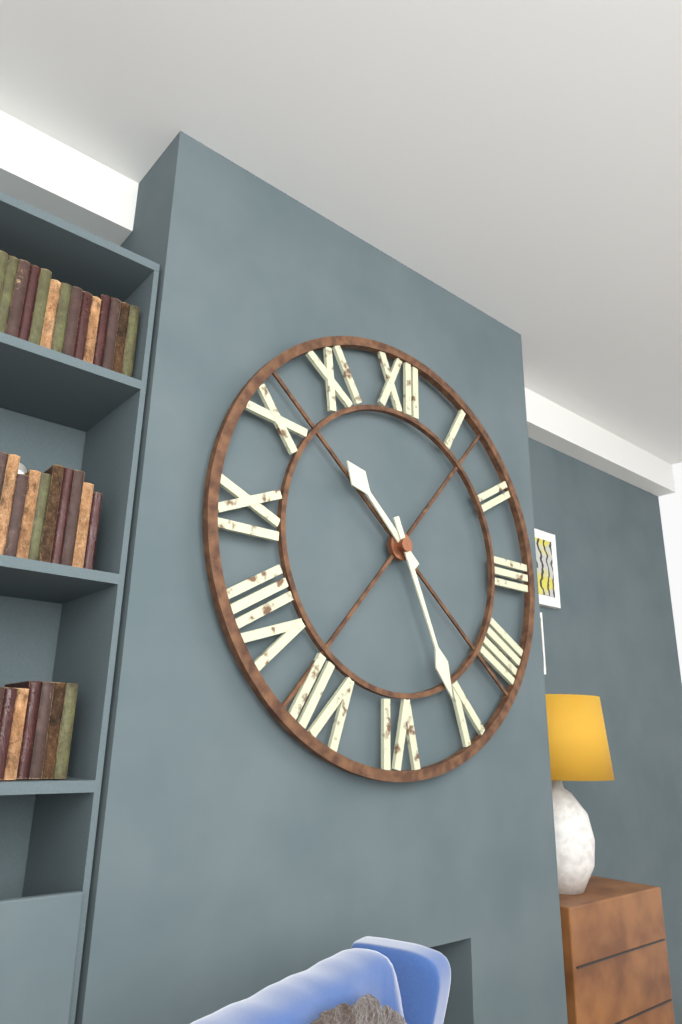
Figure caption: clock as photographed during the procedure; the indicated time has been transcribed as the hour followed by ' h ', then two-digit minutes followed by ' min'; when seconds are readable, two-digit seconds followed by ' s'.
10 h 26 min
